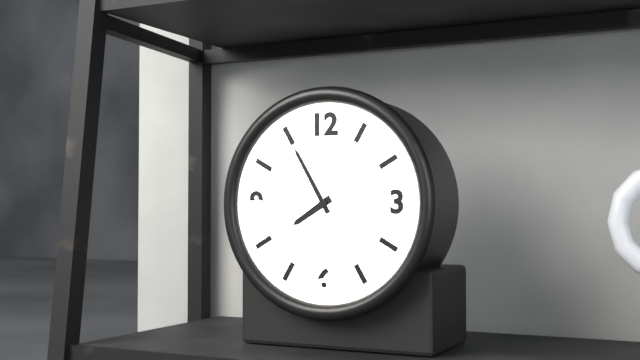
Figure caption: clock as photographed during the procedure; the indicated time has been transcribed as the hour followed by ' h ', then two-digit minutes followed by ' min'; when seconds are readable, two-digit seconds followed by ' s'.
7 h 55 min
